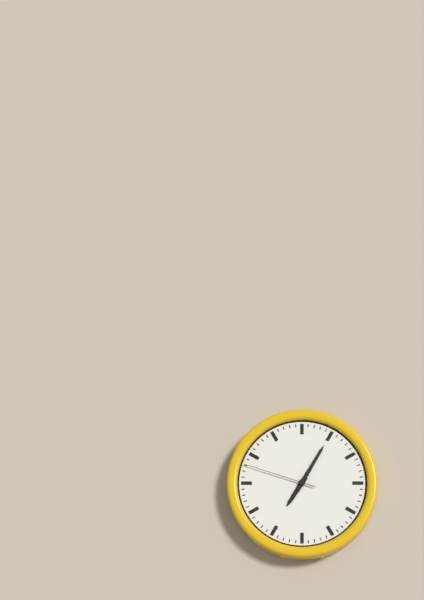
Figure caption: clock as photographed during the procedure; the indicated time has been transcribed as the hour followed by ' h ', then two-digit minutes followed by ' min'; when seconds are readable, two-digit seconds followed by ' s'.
7 h 05 min 48 s
